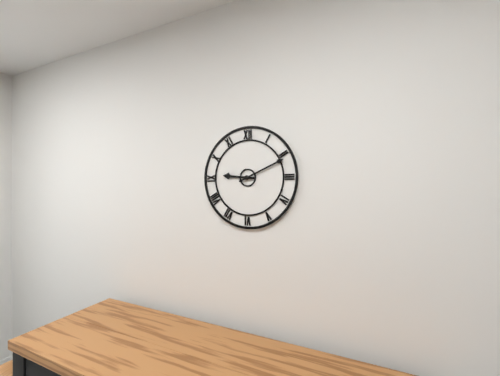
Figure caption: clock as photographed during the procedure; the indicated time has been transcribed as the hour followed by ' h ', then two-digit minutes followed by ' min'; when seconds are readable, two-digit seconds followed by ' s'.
9 h 11 min
